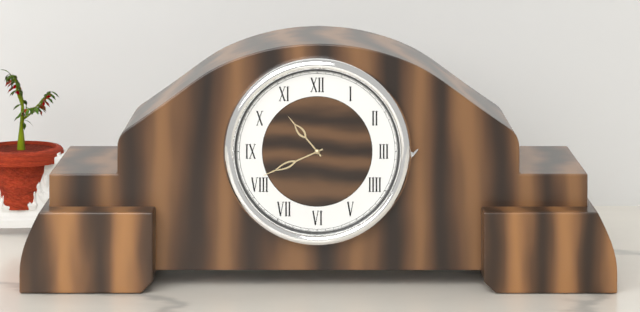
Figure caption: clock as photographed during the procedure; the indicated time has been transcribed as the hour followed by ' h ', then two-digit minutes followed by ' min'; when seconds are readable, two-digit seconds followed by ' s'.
10 h 41 min
